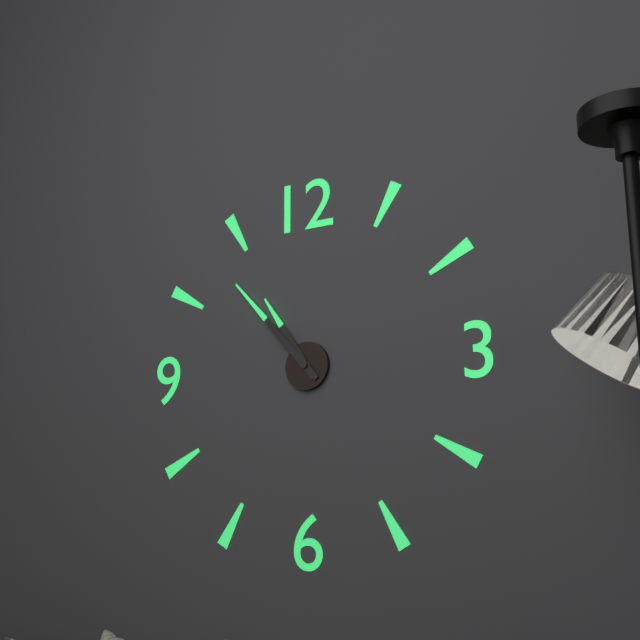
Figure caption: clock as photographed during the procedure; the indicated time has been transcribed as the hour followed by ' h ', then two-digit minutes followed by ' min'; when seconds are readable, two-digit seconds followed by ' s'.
10 h 53 min
